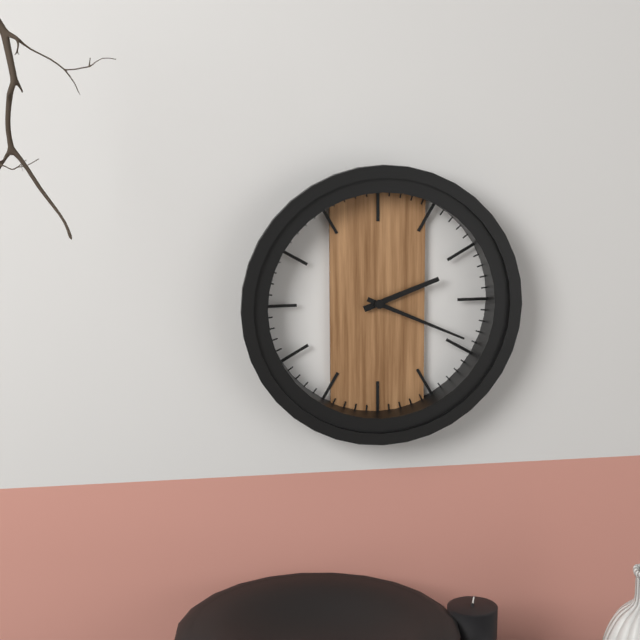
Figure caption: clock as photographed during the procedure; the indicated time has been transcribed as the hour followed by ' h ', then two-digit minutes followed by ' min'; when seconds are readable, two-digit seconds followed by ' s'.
2 h 19 min
